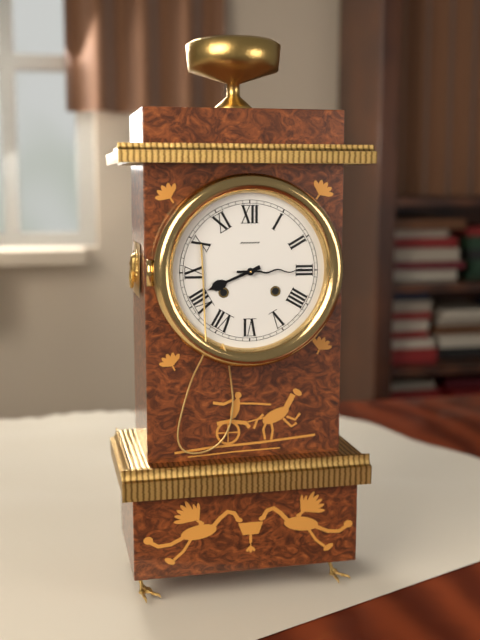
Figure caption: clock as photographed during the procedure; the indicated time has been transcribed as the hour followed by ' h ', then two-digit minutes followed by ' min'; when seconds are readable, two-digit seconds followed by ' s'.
8 h 15 min
